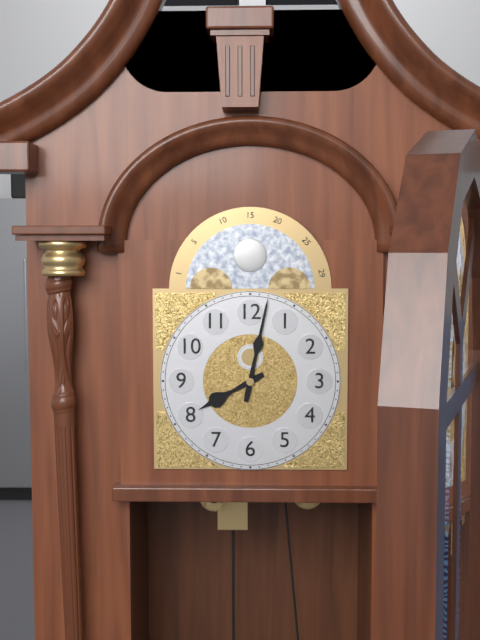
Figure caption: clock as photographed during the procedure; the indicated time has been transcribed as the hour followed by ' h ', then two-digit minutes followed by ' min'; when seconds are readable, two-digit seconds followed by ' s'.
8 h 02 min
